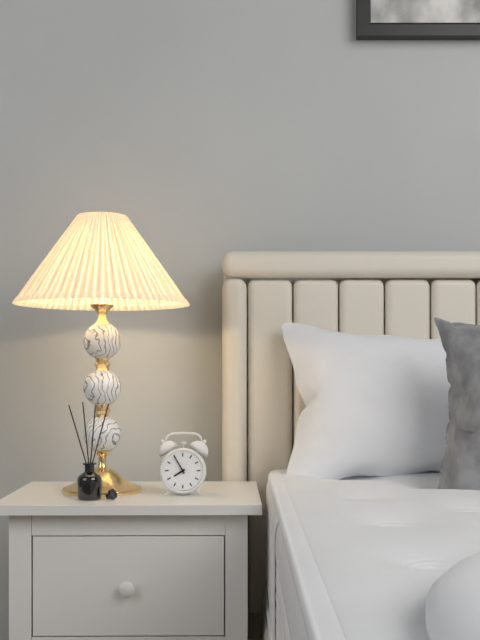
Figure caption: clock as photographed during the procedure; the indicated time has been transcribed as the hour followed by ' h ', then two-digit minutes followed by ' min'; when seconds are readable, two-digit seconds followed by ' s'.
7 h 55 min
